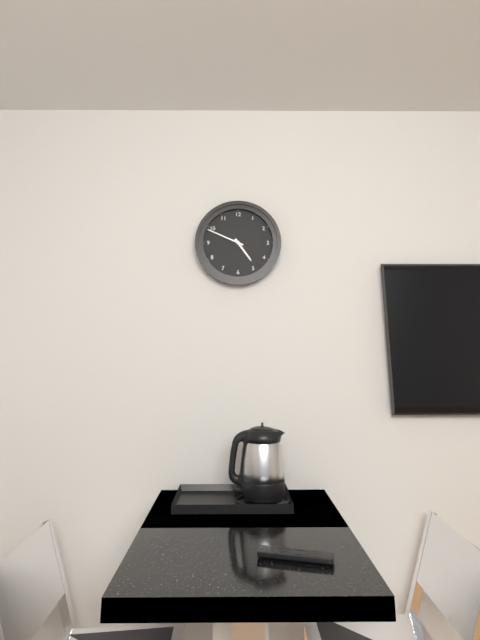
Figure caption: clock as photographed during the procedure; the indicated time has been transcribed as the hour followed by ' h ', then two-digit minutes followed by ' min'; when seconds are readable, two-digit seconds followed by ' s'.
4 h 49 min
